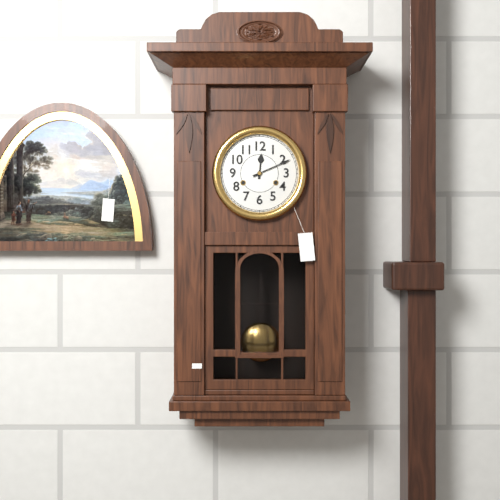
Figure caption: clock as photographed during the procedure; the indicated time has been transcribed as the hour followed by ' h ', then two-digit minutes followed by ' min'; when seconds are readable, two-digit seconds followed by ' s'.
12 h 11 min
